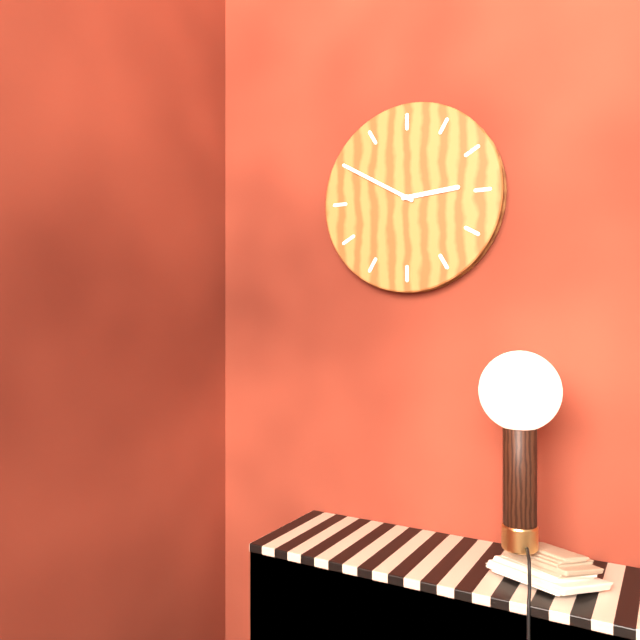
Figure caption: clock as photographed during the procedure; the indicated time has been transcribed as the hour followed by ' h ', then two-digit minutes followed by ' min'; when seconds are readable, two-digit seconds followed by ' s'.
2 h 50 min
